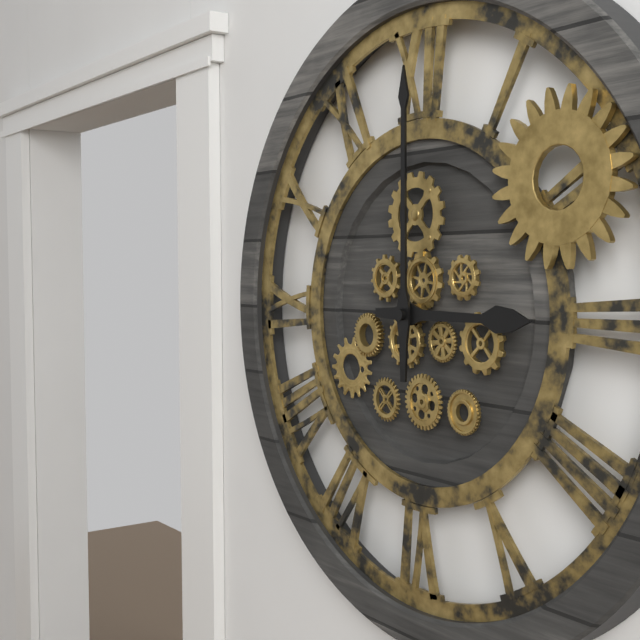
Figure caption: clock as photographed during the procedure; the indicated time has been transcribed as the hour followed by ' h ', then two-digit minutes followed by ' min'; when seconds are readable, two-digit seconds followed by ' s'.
3 h 00 min
